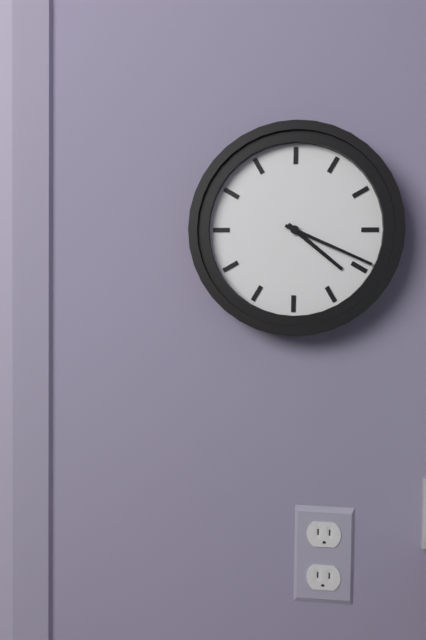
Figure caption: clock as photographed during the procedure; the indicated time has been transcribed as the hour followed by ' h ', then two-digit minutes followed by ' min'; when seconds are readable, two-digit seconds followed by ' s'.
4 h 19 min
